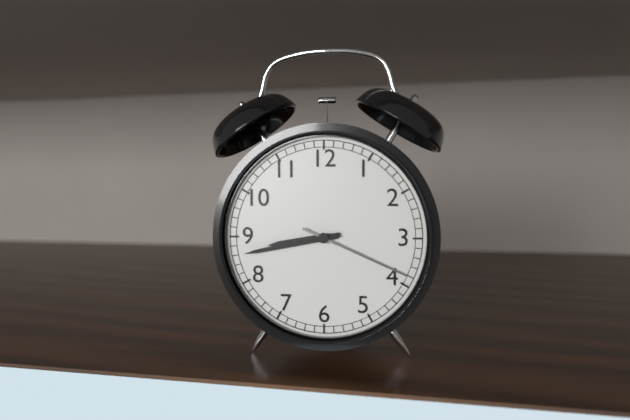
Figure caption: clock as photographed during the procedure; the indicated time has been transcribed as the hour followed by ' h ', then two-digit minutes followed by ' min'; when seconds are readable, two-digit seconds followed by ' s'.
8 h 43 min 19 s
